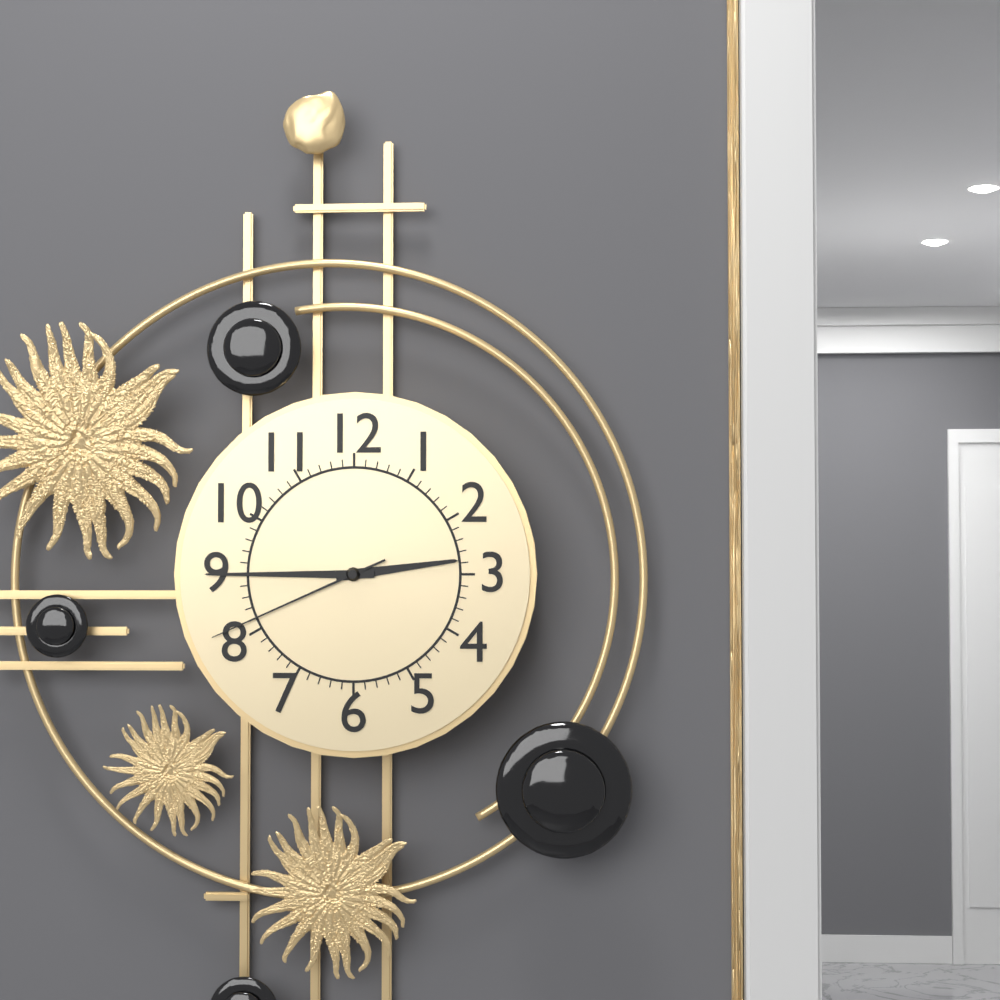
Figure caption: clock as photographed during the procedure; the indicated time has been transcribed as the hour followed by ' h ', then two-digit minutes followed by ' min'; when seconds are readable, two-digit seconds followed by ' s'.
2 h 45 min 41 s
